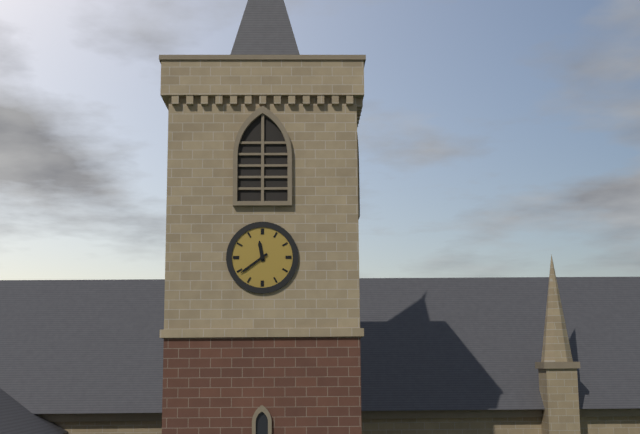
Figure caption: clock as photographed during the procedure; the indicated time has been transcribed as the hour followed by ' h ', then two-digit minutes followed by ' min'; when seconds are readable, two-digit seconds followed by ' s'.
11 h 39 min
